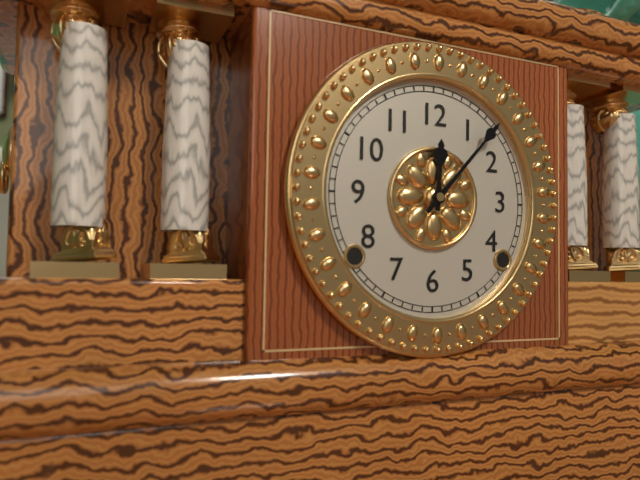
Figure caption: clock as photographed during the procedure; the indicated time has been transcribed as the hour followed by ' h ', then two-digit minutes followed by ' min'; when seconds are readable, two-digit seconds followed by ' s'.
12 h 07 min
